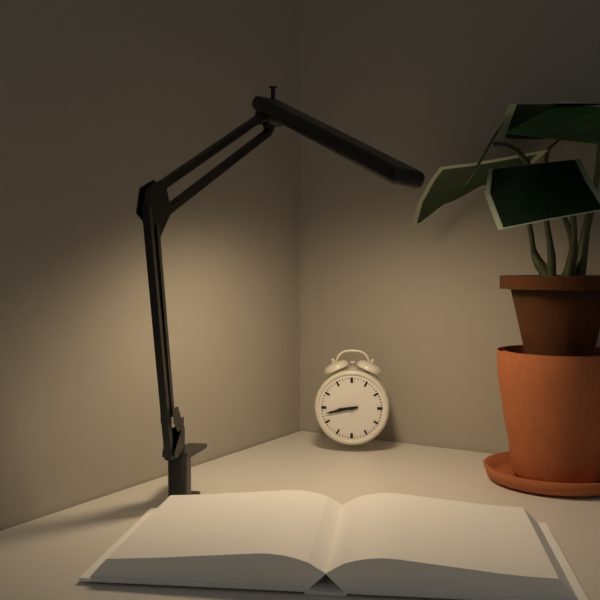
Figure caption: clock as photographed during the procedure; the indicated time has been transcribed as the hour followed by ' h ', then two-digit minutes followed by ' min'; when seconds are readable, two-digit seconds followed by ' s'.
8 h 43 min
